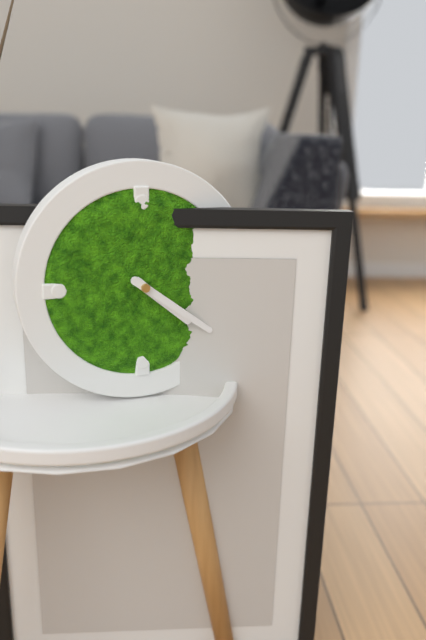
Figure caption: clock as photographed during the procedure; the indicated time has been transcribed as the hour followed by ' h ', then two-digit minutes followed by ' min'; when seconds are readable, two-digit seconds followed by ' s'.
4 h 21 min
